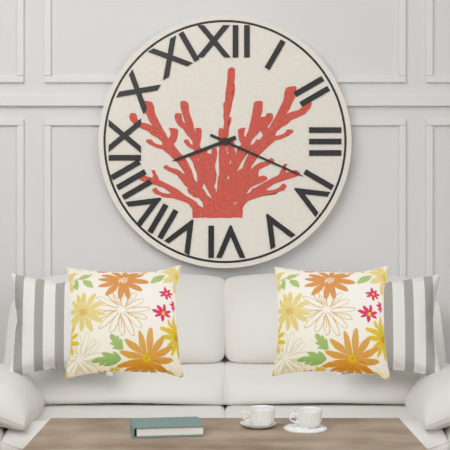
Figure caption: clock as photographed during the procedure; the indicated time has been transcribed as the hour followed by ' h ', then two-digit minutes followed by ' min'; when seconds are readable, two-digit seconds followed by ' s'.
8 h 19 min
